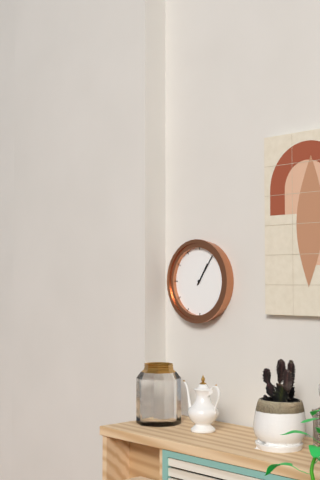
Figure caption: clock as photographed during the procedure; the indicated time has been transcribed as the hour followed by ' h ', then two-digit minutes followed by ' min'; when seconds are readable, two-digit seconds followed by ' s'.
1 h 06 min
